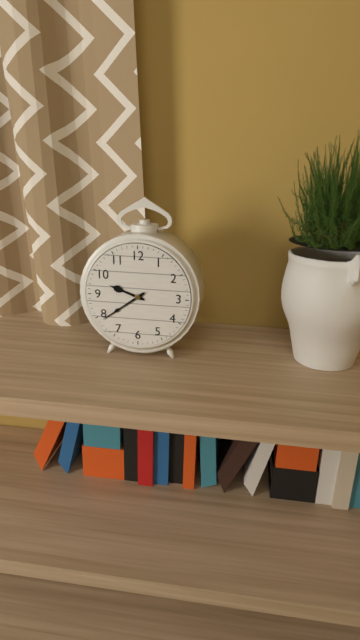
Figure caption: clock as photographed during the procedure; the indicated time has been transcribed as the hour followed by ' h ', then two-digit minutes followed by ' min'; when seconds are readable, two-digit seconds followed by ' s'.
9 h 39 min
